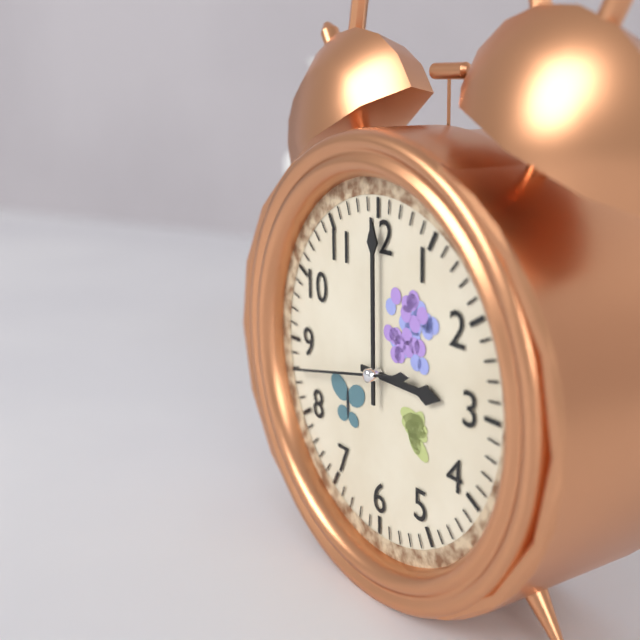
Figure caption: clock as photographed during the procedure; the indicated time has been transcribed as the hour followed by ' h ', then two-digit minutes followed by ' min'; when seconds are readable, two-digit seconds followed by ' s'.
3 h 00 min 43 s
